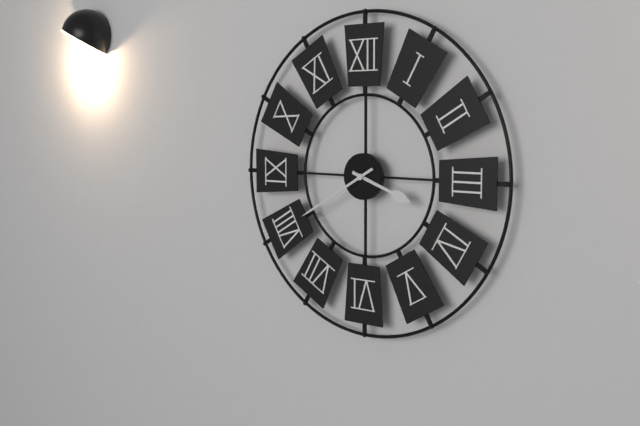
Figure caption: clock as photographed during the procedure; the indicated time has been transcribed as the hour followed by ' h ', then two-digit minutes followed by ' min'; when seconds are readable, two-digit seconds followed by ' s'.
3 h 40 min
